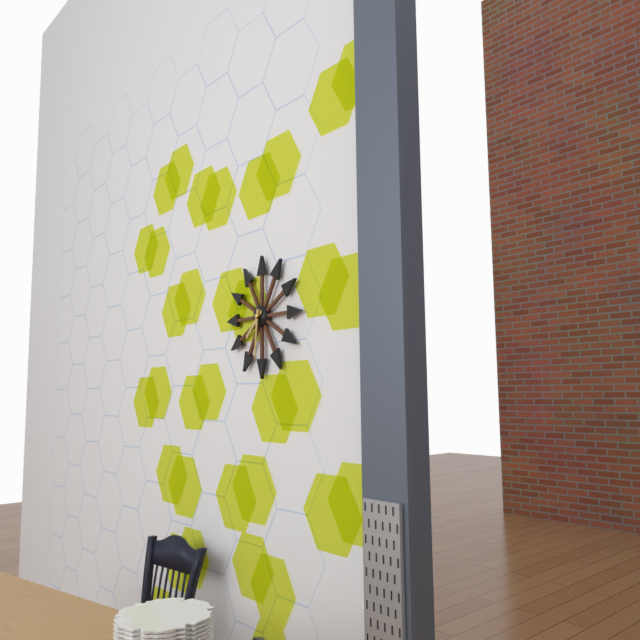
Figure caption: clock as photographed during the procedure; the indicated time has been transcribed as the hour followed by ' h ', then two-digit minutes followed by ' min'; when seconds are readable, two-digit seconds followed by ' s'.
7 h 31 min
